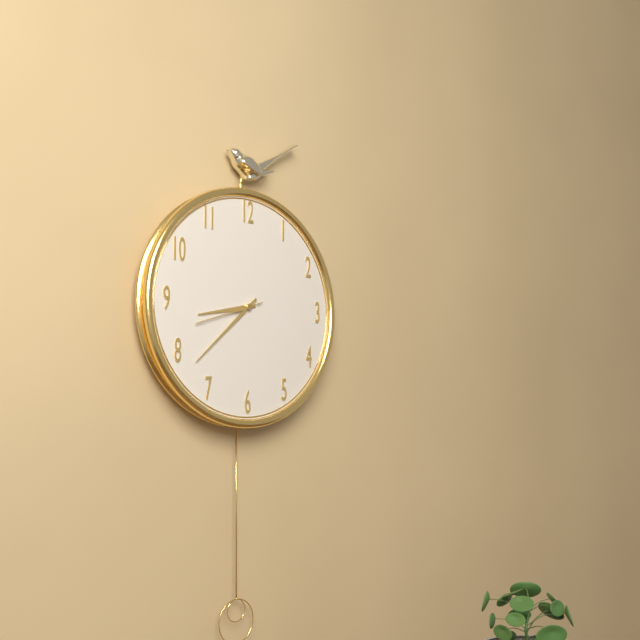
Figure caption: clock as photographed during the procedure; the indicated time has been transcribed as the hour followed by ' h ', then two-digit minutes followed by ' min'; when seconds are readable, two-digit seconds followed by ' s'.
8 h 38 min 42 s
